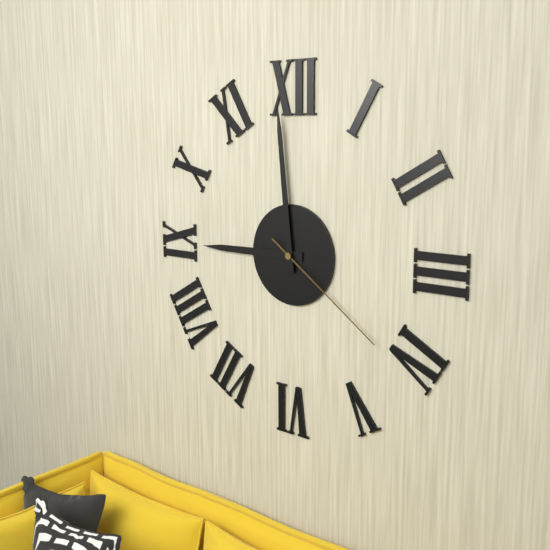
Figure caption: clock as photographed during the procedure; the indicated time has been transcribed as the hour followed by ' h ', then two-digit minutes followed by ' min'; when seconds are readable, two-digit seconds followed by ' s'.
8 h 59 min 21 s
